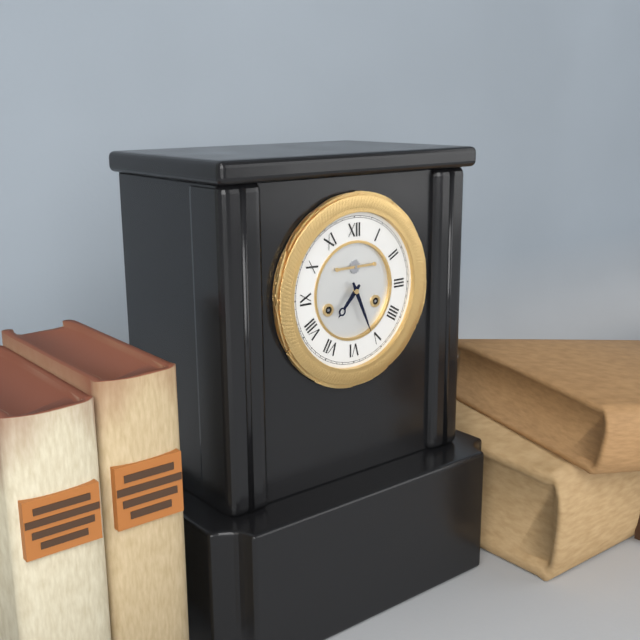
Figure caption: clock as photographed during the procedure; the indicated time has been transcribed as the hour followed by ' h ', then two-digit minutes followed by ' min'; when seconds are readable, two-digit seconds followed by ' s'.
7 h 26 min
